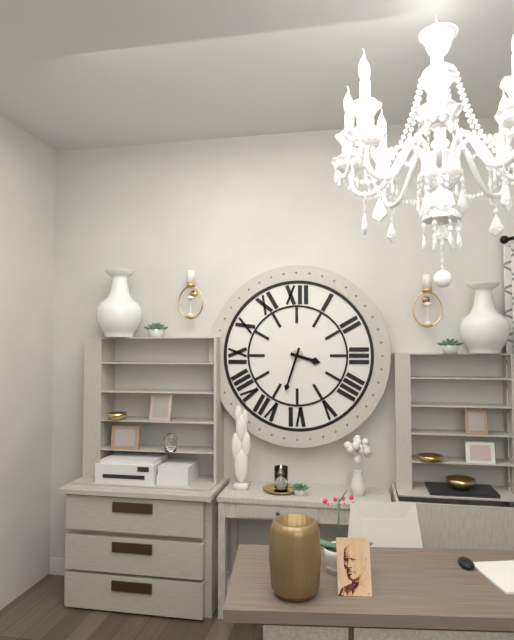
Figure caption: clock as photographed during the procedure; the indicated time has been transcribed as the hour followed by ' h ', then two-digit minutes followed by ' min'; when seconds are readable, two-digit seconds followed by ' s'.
3 h 33 min
